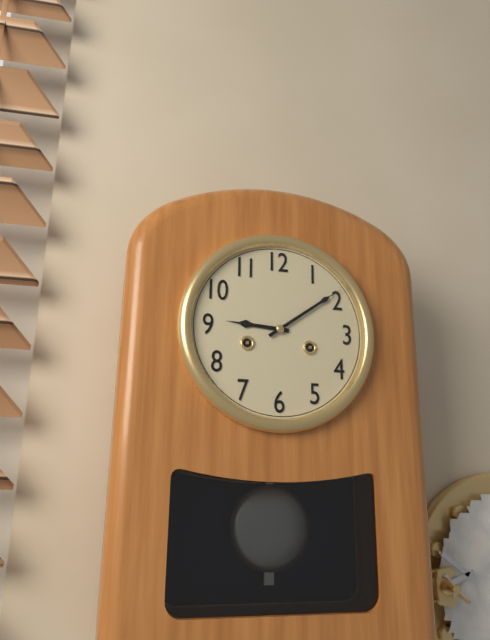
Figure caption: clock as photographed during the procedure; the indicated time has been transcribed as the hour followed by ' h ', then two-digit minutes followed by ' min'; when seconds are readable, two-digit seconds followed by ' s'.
9 h 09 min
